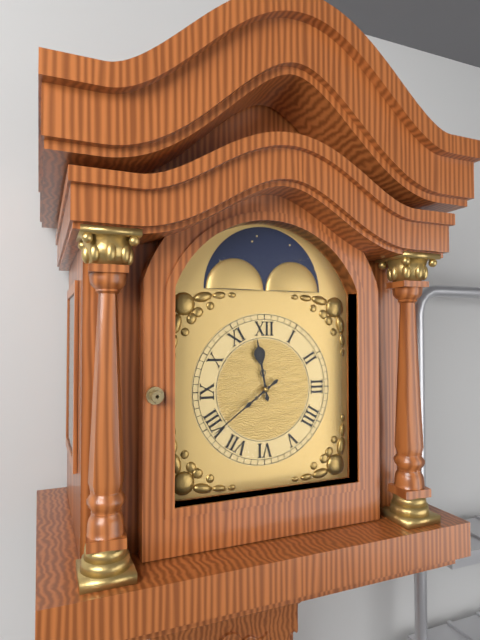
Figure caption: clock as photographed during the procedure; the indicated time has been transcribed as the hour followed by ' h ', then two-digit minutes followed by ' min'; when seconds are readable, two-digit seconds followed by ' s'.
11 h 39 min
